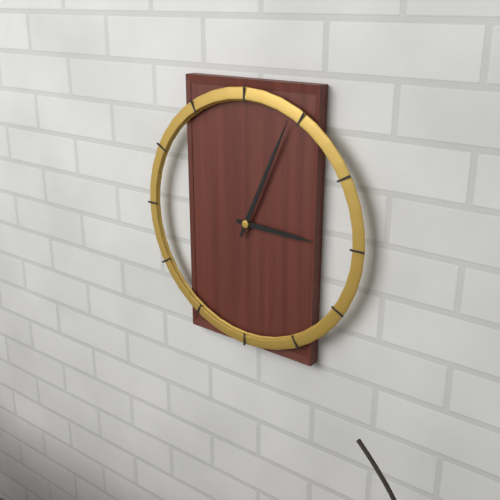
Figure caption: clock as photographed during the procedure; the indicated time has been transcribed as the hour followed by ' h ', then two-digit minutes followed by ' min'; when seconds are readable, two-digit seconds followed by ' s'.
3 h 04 min
